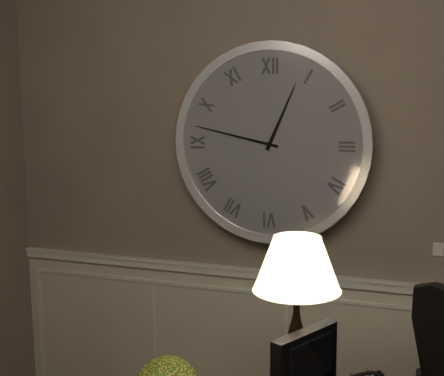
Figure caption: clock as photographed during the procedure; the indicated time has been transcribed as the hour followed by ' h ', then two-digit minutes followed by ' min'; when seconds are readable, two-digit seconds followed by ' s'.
12 h 47 min
